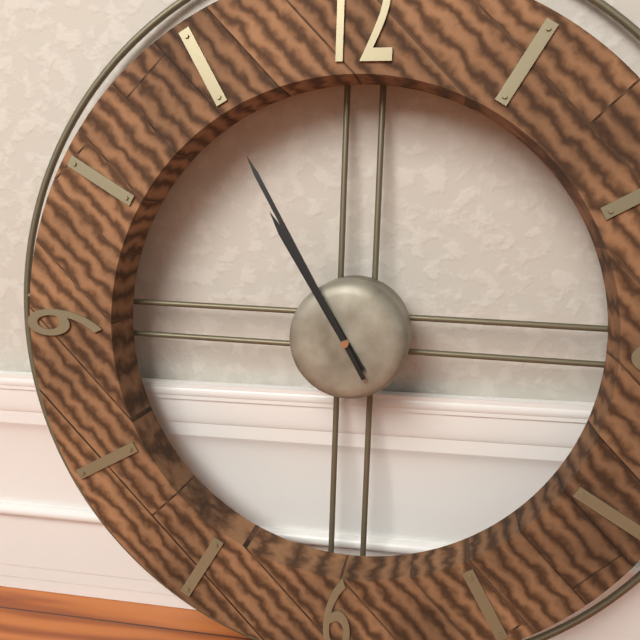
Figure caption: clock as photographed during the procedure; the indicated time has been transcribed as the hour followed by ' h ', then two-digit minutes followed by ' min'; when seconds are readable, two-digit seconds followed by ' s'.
10 h 55 min
